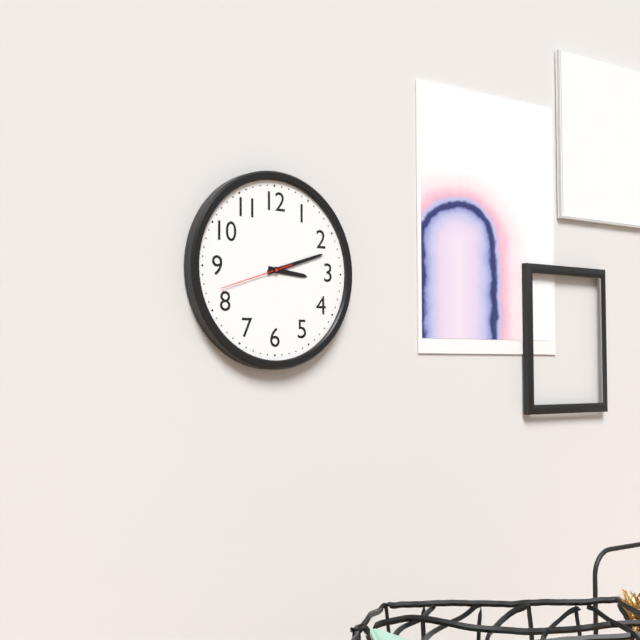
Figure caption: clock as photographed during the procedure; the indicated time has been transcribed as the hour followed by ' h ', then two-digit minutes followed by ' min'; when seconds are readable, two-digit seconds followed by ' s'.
3 h 12 min 42 s
